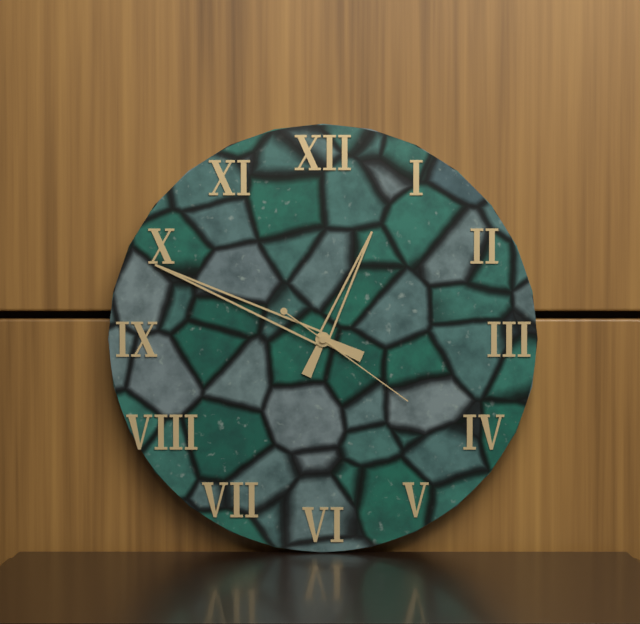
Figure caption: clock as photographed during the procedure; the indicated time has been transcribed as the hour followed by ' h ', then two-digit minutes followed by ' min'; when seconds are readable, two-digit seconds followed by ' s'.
12 h 49 min 21 s
